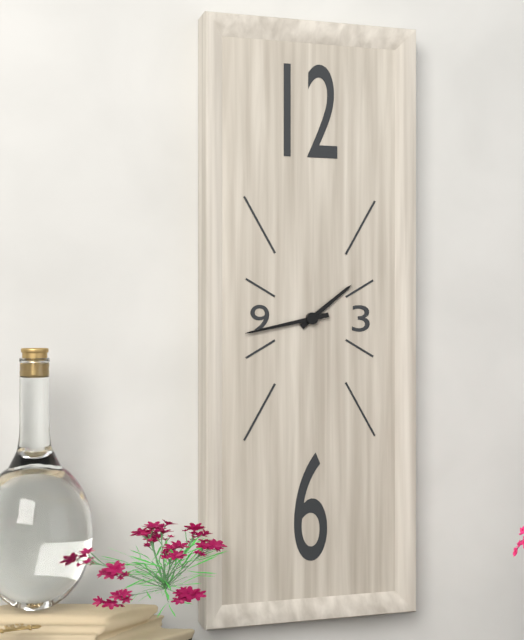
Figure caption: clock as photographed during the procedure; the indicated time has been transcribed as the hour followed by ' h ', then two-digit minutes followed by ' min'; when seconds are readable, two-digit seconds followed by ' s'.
1 h 43 min
